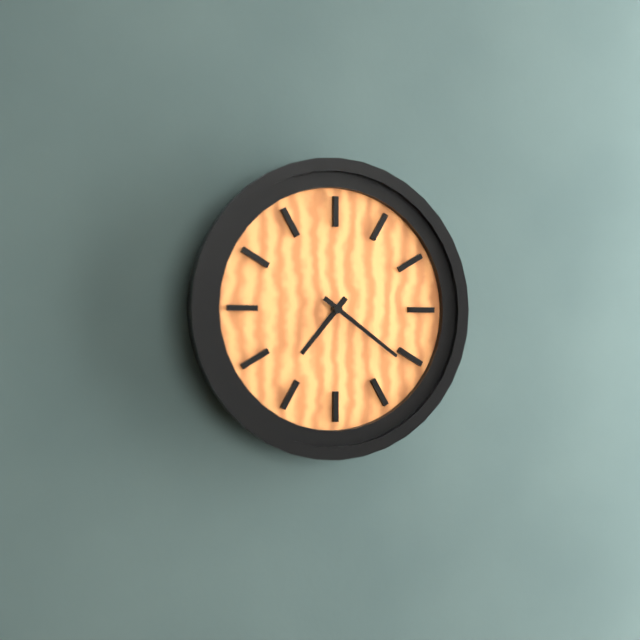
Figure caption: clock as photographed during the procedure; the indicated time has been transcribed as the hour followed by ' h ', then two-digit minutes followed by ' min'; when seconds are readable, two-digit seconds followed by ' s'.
7 h 21 min
